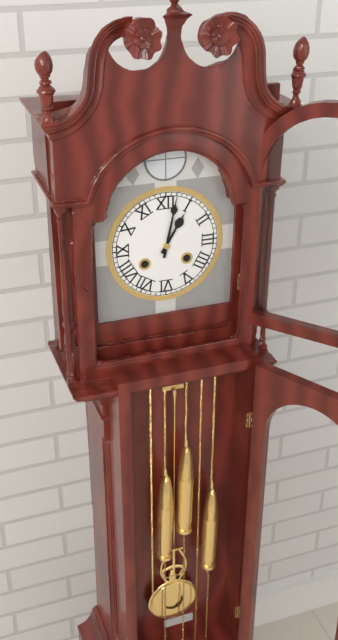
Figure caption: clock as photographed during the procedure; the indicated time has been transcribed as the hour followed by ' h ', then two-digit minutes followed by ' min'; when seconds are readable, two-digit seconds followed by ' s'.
1 h 02 min
